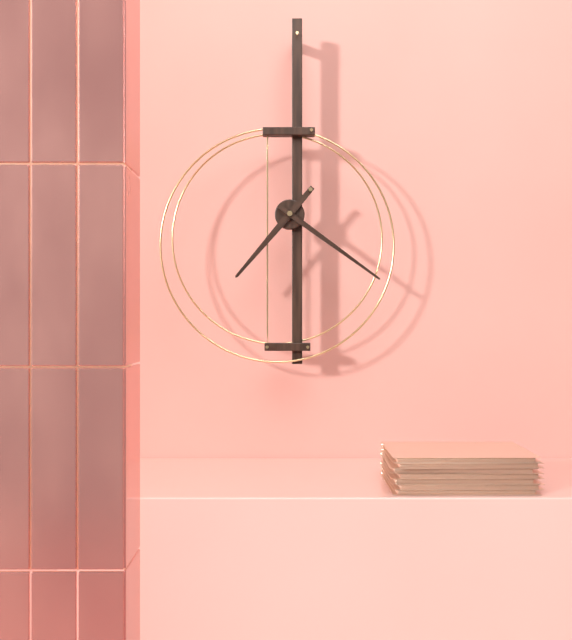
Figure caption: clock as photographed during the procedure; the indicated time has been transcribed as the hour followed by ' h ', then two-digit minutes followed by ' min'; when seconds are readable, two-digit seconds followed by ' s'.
7 h 21 min
